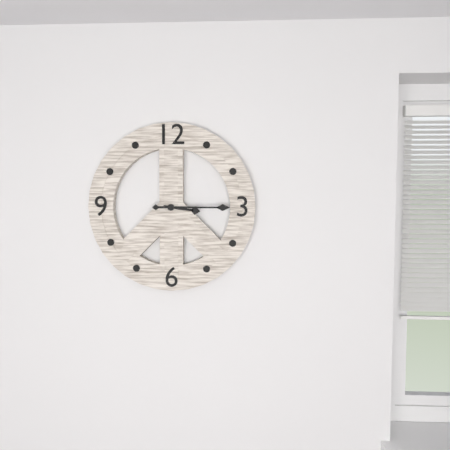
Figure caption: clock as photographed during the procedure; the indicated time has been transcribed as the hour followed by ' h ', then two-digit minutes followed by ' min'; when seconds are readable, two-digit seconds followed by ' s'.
3 h 15 min
